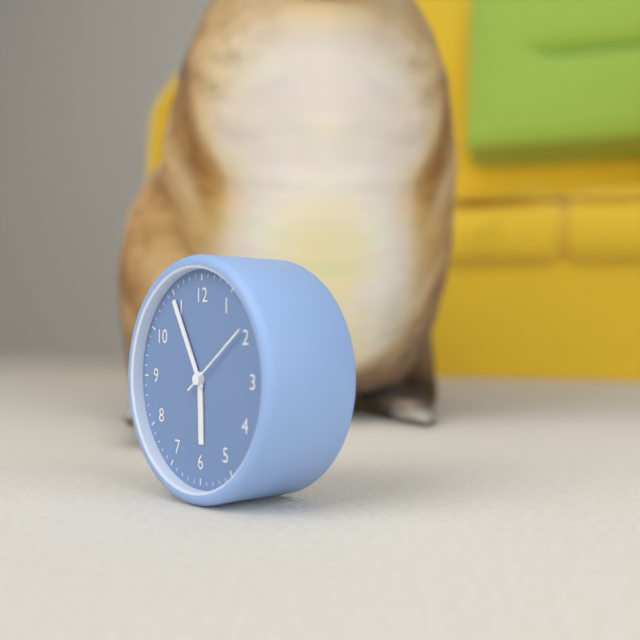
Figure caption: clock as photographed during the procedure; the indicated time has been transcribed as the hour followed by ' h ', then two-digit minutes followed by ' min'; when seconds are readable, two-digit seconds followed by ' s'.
5 h 55 min 09 s
